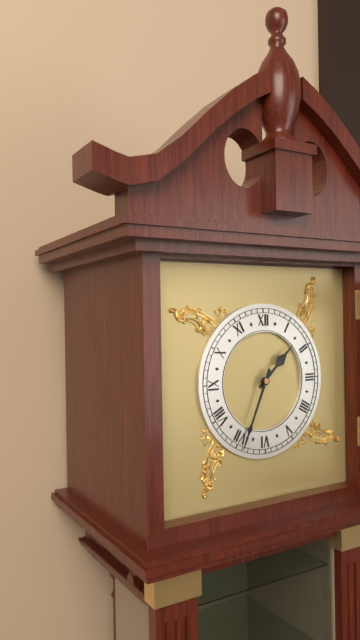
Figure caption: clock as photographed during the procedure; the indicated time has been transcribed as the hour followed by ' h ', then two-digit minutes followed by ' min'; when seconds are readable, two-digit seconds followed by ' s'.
1 h 34 min
